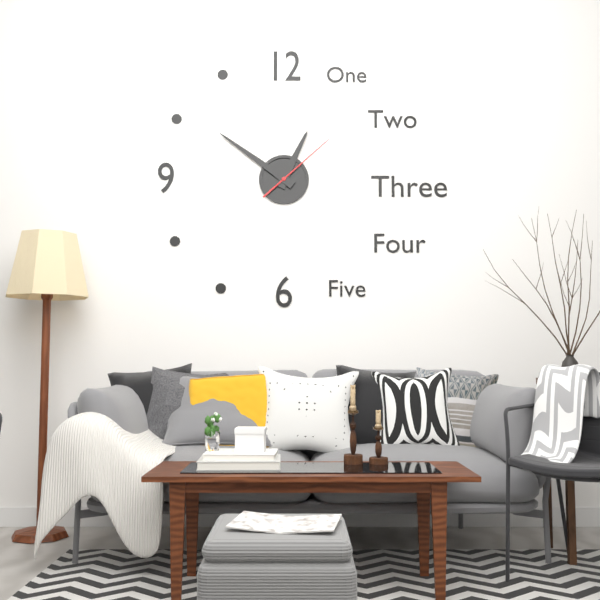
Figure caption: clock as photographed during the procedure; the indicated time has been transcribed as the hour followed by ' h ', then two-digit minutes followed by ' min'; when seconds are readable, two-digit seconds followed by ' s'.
12 h 51 min 08 s
